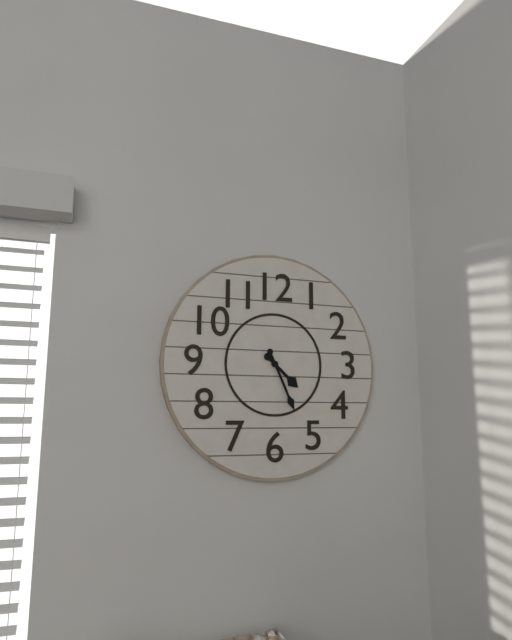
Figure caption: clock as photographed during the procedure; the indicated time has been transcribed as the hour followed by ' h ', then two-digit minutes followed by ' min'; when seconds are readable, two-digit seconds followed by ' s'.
4 h 26 min
